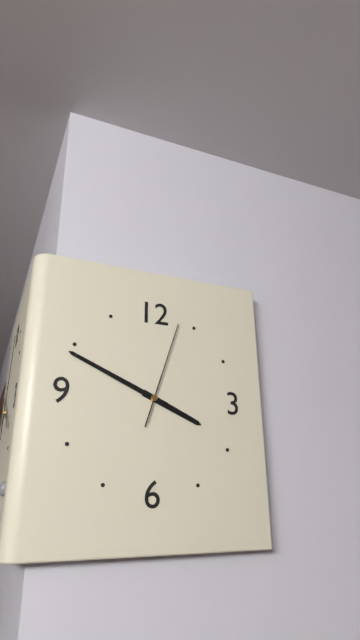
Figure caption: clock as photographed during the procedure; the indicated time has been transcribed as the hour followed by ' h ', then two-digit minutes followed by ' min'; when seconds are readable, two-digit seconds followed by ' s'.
3 h 49 min 03 s
